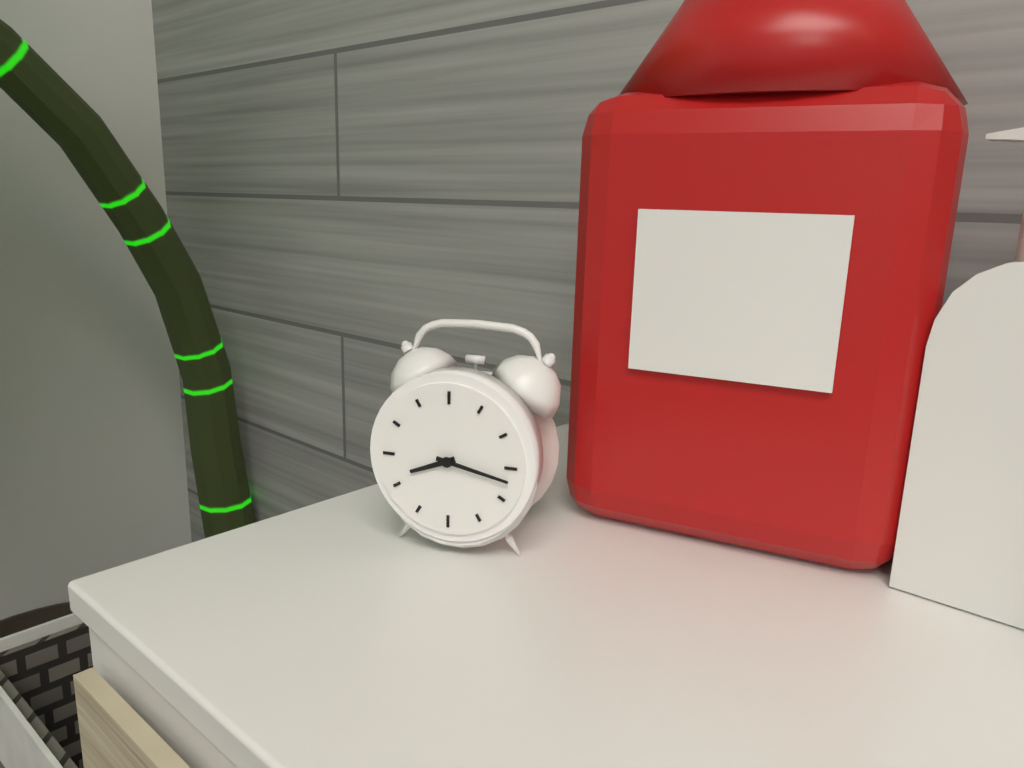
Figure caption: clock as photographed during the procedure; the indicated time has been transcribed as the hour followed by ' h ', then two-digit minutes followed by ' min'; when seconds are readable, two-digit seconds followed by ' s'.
8 h 17 min
